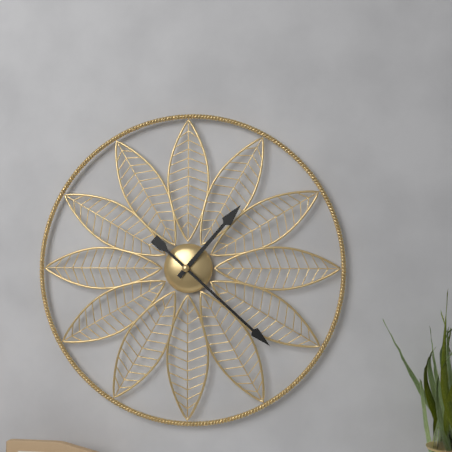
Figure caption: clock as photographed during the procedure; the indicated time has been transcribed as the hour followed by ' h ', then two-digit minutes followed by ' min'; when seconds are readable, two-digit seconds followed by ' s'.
1 h 22 min
